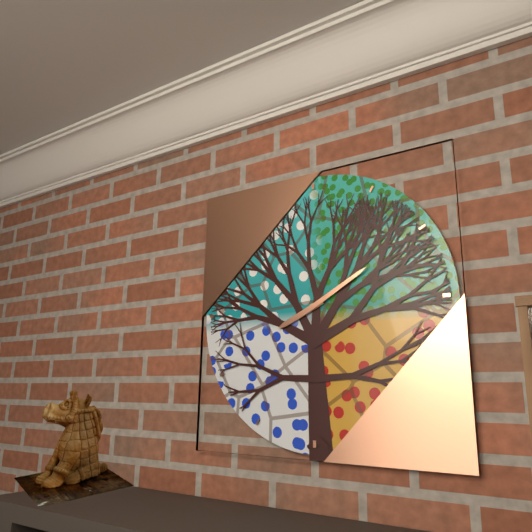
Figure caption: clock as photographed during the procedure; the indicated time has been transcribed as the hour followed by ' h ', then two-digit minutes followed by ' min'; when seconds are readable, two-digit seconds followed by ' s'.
8 h 10 min
